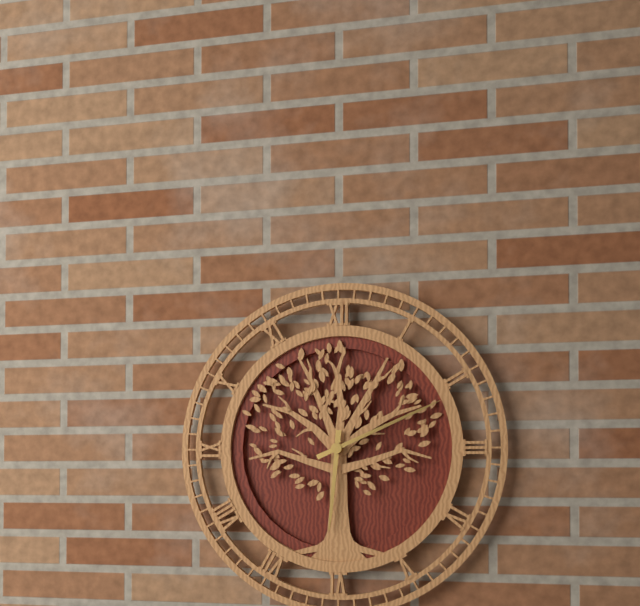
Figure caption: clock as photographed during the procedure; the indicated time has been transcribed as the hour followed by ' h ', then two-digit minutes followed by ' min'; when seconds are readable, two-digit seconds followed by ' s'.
6 h 11 min
